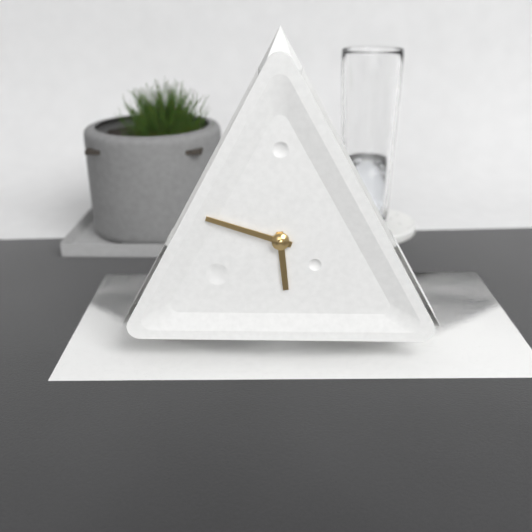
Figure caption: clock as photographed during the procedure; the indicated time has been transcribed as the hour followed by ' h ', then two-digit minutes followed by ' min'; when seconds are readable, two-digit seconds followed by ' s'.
5 h 48 min
